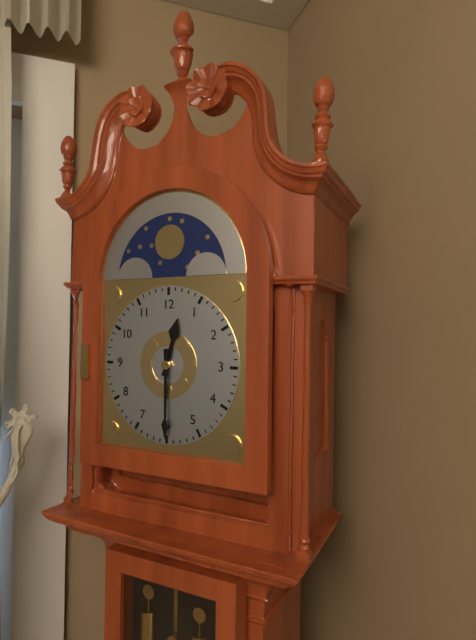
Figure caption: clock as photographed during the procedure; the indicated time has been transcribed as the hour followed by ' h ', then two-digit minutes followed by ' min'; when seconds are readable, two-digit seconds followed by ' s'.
12 h 30 min
